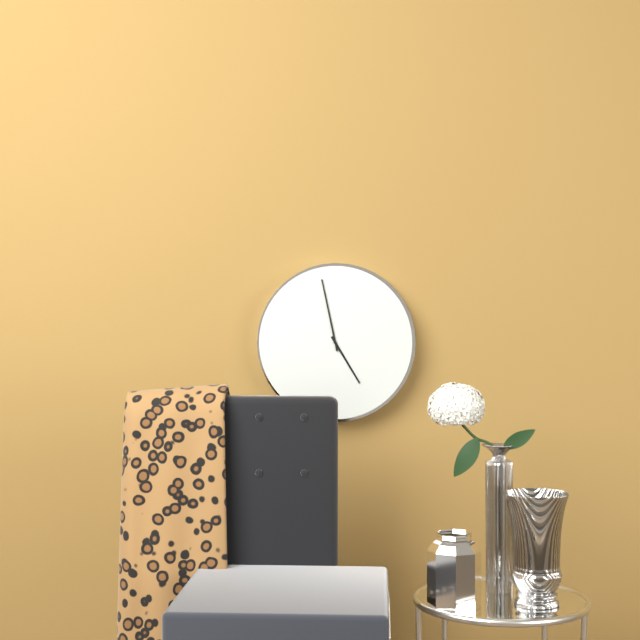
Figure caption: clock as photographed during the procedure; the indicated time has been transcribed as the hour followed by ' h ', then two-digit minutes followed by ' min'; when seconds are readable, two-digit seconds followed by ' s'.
4 h 58 min
